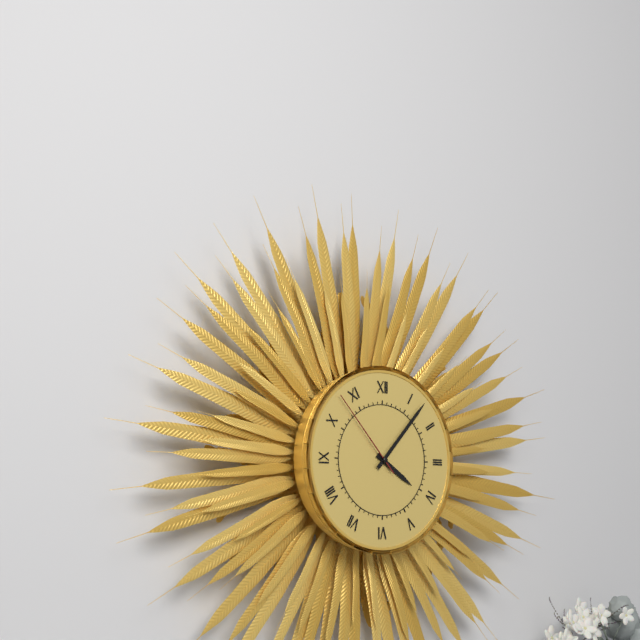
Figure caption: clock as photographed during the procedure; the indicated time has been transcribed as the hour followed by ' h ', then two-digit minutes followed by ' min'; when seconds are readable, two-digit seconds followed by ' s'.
4 h 07 min 53 s
